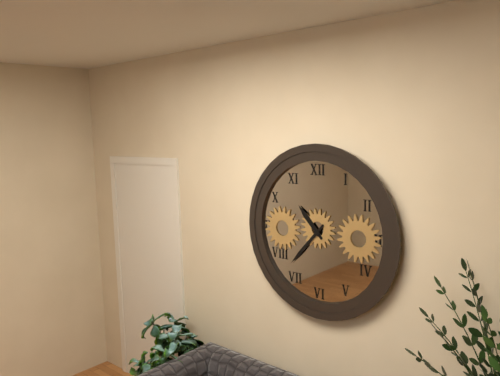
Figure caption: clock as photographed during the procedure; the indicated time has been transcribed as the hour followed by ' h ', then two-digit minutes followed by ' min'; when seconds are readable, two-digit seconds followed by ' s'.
10 h 37 min
